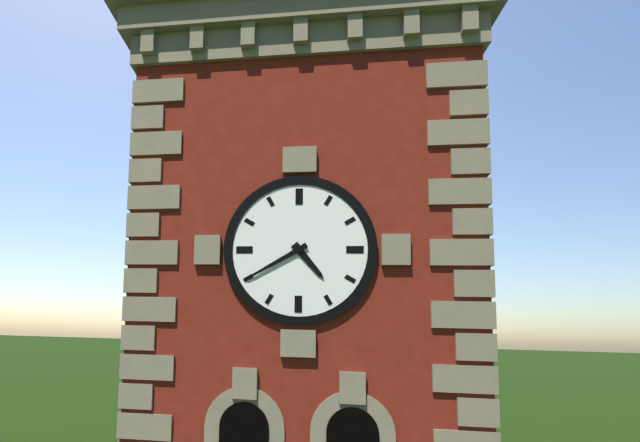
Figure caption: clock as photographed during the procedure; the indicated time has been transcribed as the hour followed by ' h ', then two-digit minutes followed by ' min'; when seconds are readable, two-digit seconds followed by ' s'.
4 h 40 min
